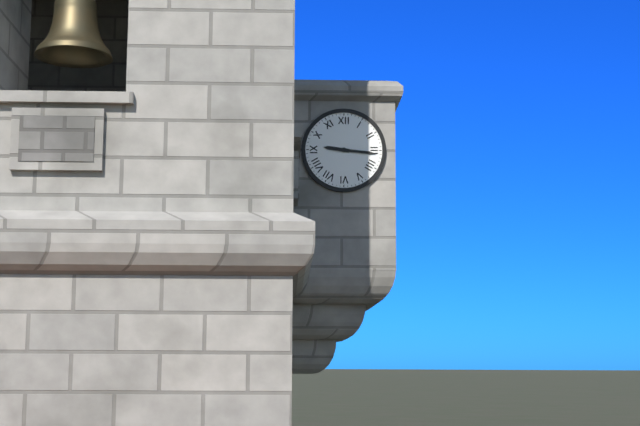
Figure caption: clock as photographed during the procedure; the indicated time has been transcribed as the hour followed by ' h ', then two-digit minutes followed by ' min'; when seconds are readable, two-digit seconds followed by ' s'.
9 h 16 min
